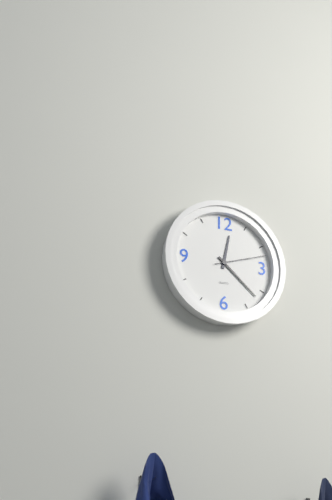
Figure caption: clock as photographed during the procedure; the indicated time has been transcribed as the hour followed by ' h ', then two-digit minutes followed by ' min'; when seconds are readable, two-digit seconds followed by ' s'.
12 h 22 min 12 s
